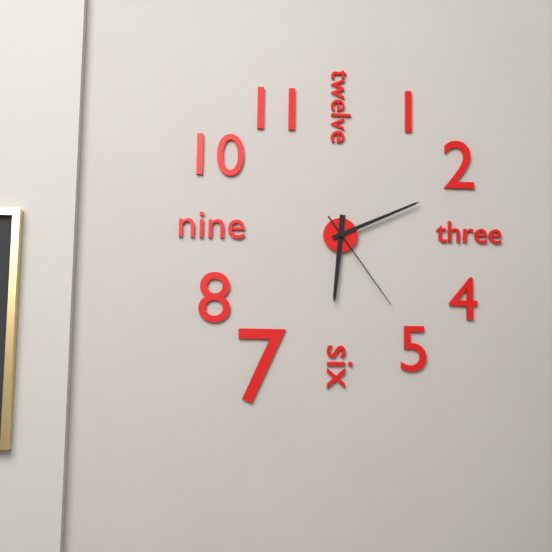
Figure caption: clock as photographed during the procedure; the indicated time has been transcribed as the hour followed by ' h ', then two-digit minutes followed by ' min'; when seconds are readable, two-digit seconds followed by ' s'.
6 h 11 min 24 s
